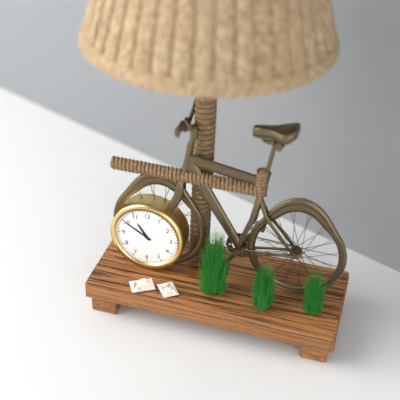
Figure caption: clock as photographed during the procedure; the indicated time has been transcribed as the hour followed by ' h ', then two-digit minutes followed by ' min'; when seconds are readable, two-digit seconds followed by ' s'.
10 h 50 min
